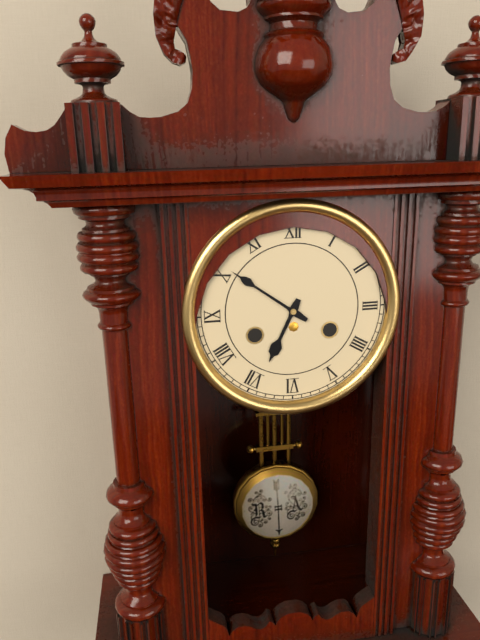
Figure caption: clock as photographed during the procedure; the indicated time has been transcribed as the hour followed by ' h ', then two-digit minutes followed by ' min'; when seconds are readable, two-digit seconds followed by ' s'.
6 h 51 min
